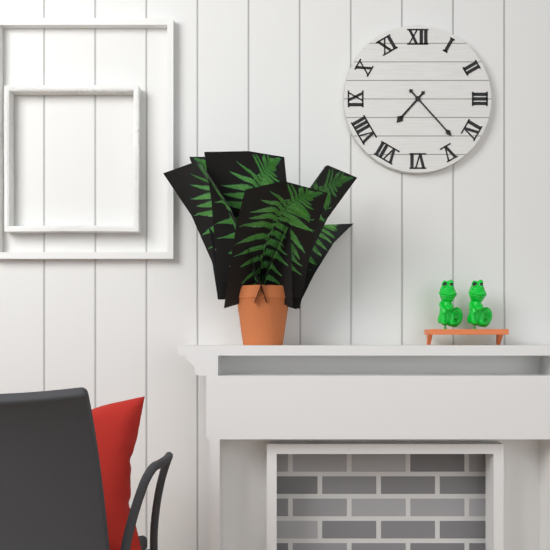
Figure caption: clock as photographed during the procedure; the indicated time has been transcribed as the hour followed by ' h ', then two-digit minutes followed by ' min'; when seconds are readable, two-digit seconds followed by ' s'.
7 h 23 min
